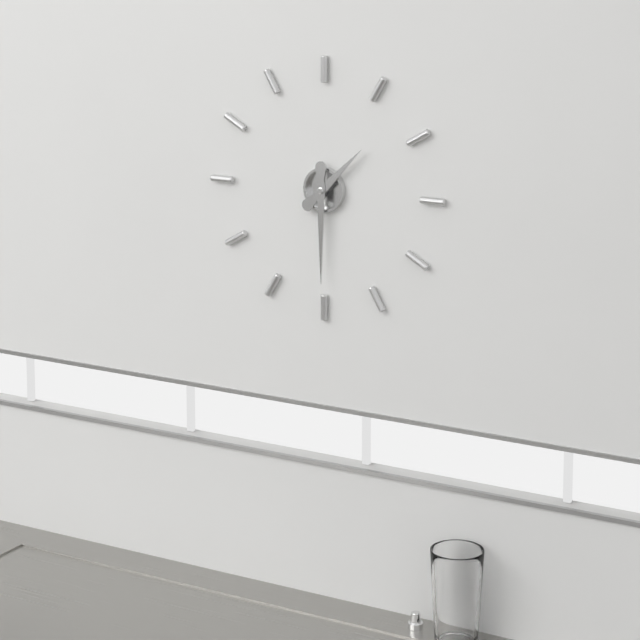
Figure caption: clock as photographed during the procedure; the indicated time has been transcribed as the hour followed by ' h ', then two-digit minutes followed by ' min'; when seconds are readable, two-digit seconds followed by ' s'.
1 h 30 min
